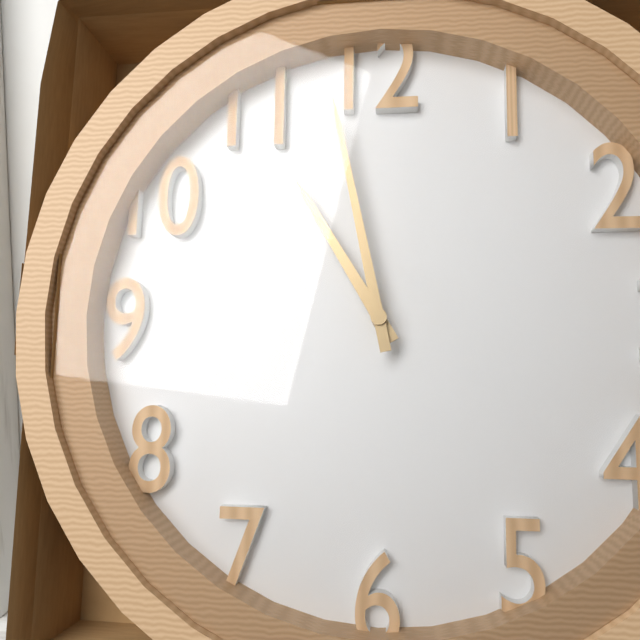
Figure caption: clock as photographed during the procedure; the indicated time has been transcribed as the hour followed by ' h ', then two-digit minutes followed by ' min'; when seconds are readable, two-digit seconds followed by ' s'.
10 h 58 min
